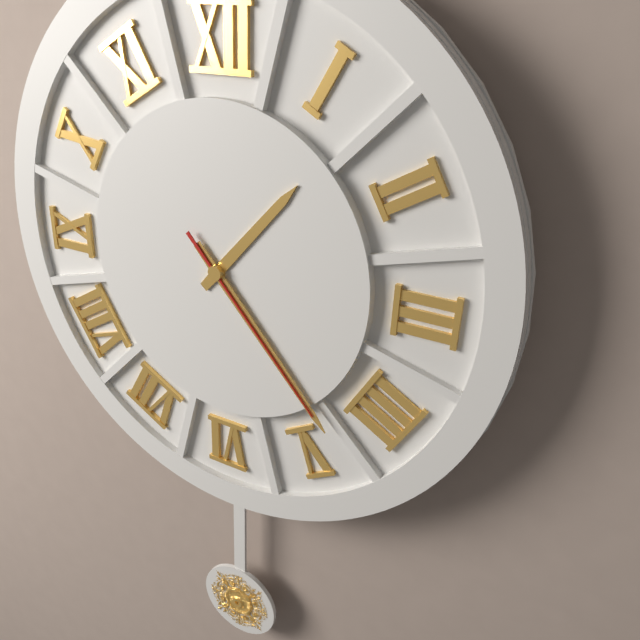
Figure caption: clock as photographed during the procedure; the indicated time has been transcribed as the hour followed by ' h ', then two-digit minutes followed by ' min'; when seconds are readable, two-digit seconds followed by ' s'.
1 h 23 min 23 s
